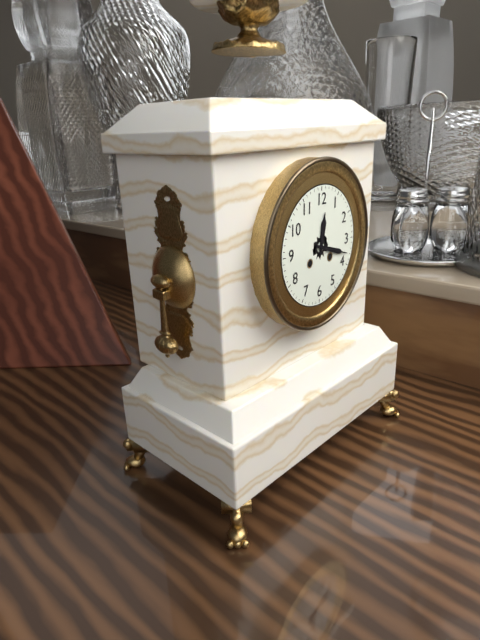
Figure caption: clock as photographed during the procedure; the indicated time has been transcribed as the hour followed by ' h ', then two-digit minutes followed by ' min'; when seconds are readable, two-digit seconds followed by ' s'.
12 h 18 min
